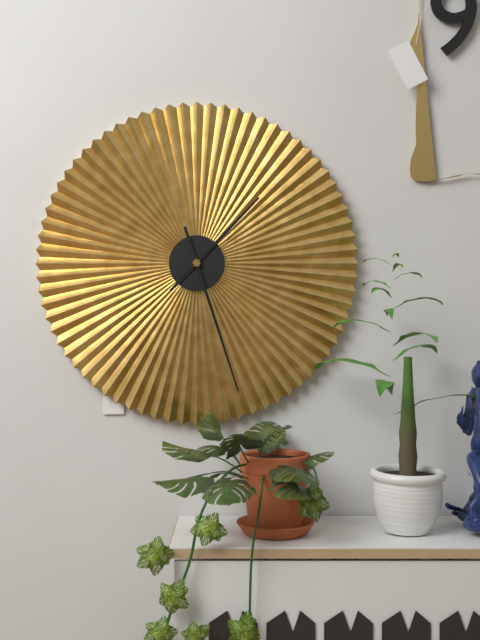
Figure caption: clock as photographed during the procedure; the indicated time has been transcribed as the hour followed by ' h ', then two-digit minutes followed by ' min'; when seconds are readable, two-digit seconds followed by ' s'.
1 h 27 min
